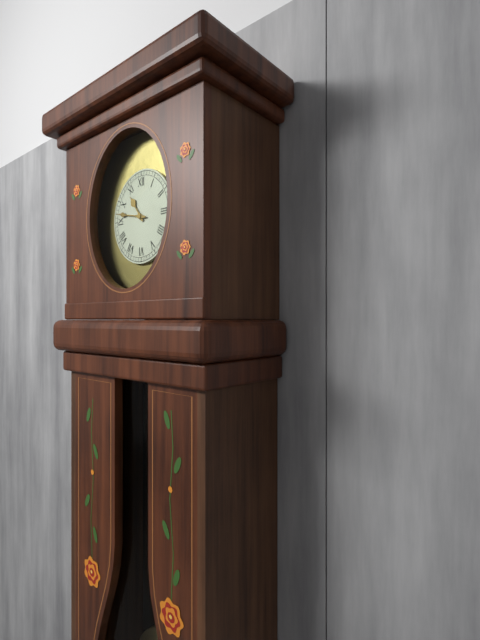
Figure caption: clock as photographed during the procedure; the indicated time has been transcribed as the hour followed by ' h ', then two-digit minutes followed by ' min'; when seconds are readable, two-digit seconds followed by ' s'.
10 h 47 min
